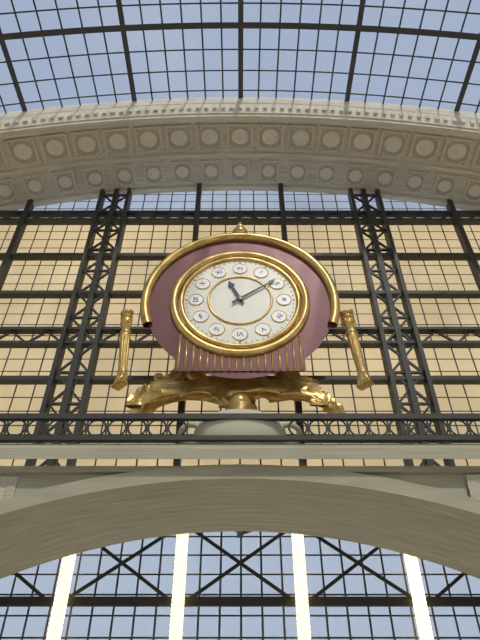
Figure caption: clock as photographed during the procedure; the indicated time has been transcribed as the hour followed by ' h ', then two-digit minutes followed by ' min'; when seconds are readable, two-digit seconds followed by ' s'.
11 h 09 min
